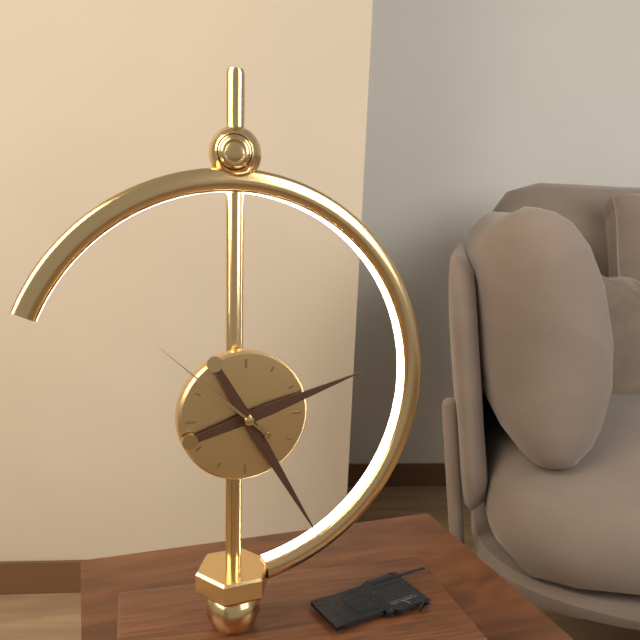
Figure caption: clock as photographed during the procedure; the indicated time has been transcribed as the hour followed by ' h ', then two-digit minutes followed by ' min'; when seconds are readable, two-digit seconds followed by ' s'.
2 h 25 min 52 s
